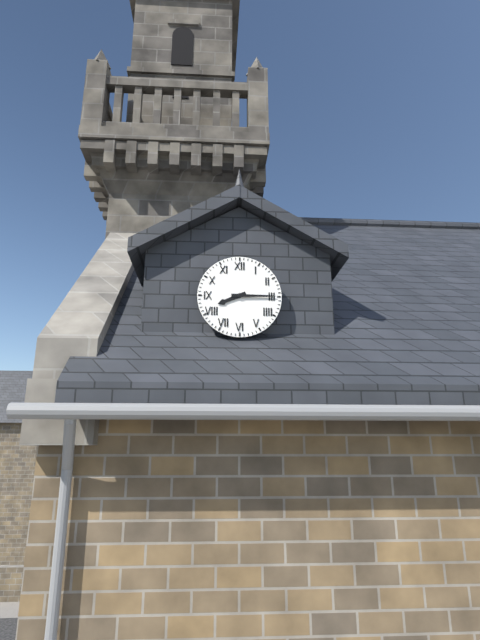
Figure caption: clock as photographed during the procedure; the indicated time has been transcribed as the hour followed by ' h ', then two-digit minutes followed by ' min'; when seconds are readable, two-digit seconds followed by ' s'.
8 h 15 min
